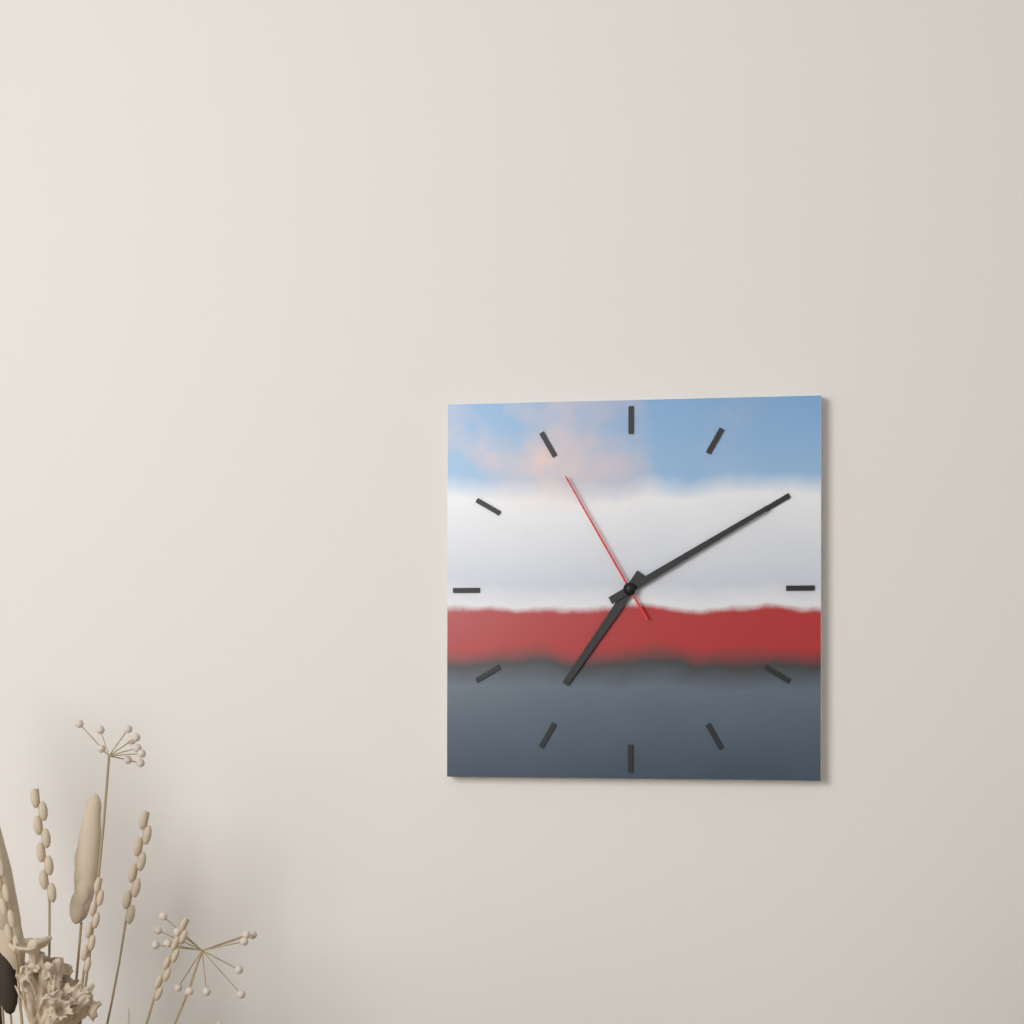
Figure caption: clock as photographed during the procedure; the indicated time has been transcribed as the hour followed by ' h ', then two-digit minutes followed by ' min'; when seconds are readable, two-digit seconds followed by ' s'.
7 h 10 min 55 s
